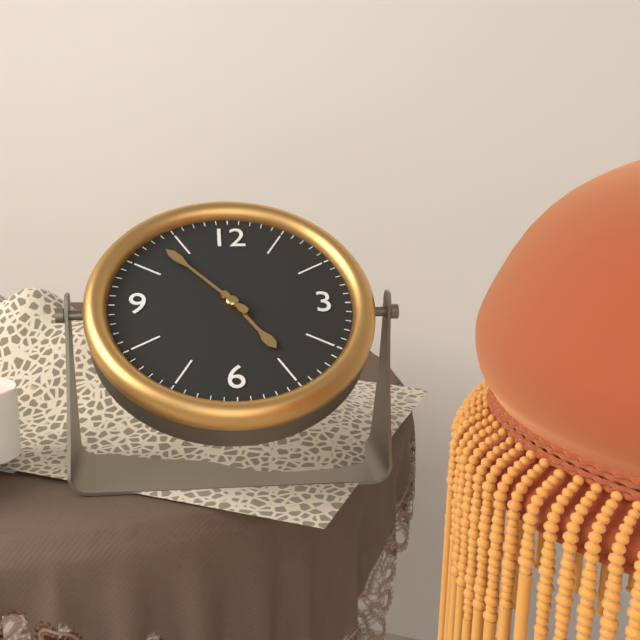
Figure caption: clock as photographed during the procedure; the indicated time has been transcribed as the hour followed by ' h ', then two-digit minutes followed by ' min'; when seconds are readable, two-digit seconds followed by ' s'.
4 h 53 min
